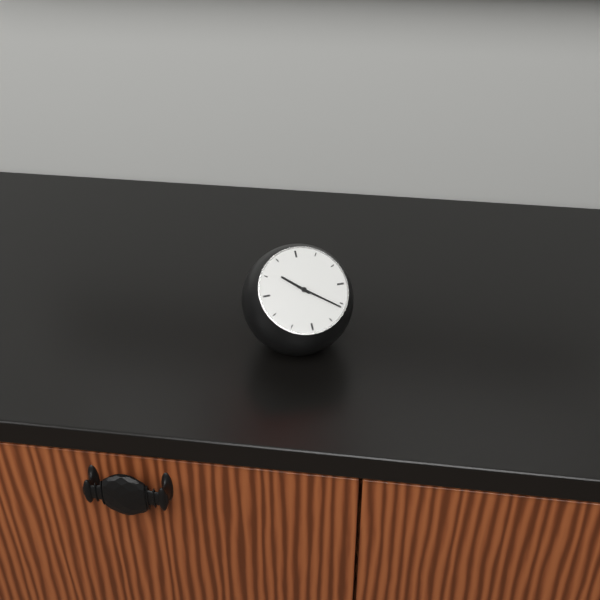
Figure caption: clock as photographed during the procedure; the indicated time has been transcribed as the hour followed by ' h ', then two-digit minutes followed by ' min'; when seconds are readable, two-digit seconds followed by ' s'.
10 h 21 min
